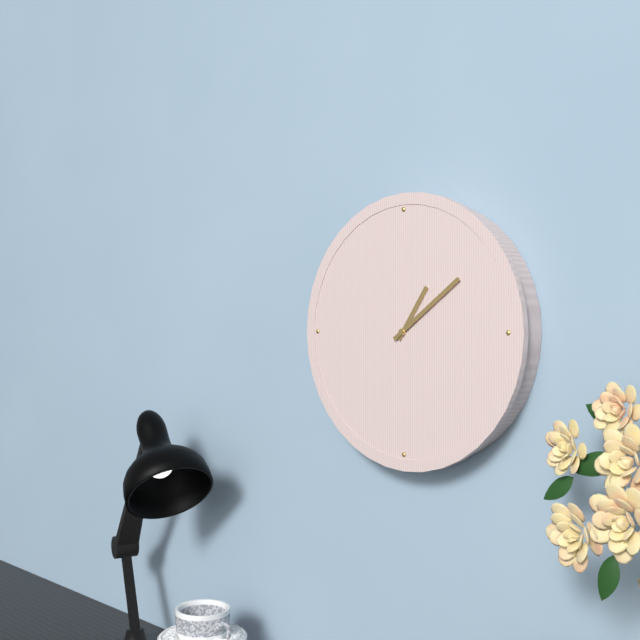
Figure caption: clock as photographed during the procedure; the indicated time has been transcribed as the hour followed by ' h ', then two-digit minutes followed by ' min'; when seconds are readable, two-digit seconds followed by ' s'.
1 h 09 min
